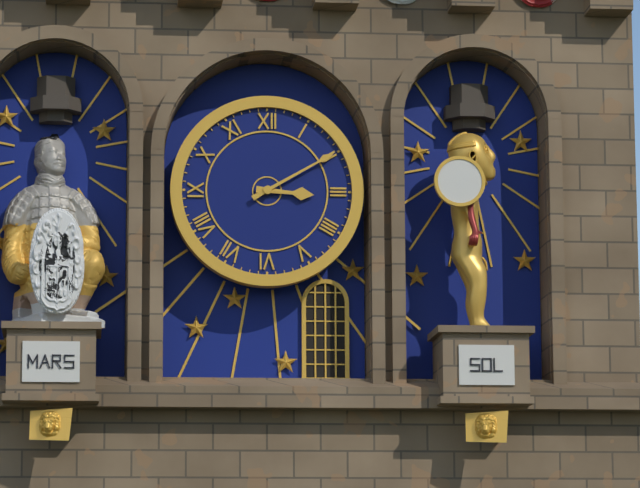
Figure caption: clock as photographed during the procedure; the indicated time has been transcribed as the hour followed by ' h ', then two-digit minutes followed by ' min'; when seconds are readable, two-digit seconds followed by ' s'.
3 h 10 min
